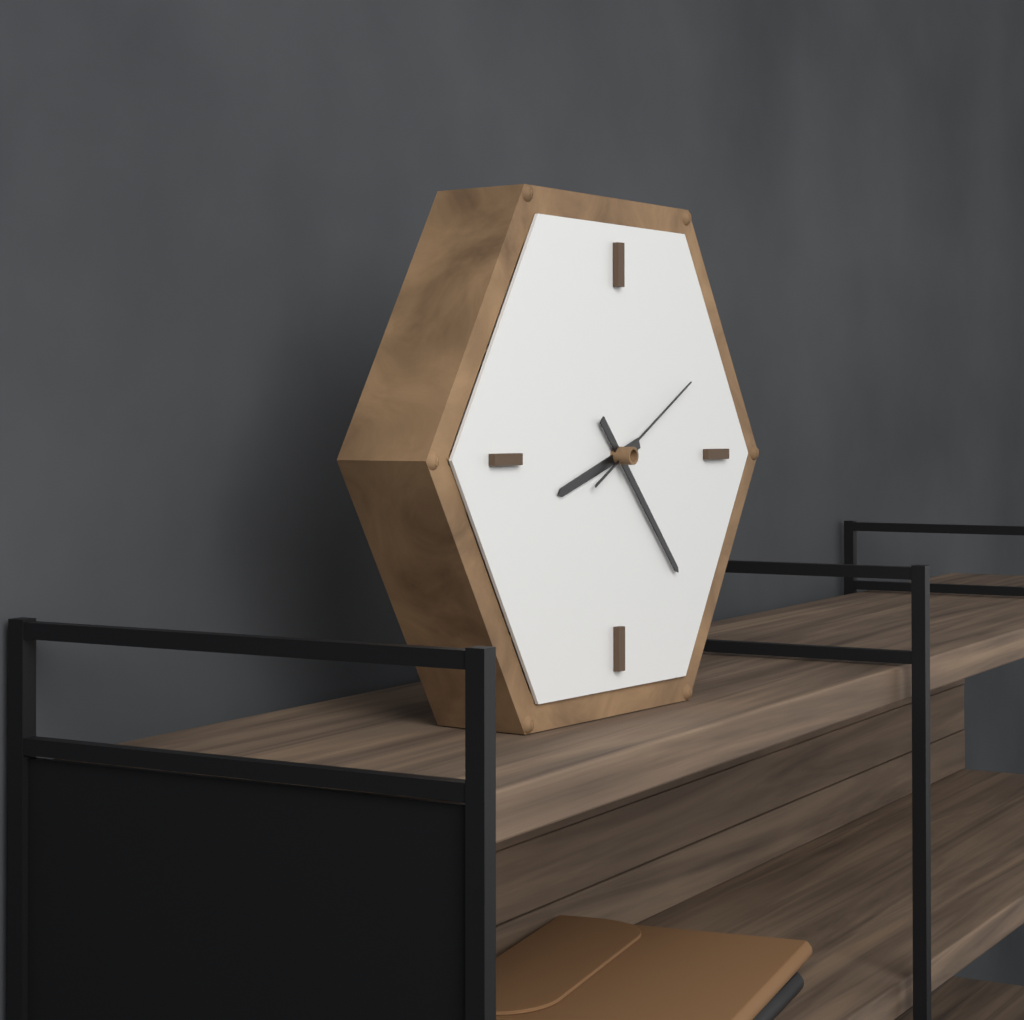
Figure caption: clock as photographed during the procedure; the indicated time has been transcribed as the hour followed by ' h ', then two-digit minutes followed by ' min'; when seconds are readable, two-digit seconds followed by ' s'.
8 h 23 min 10 s
